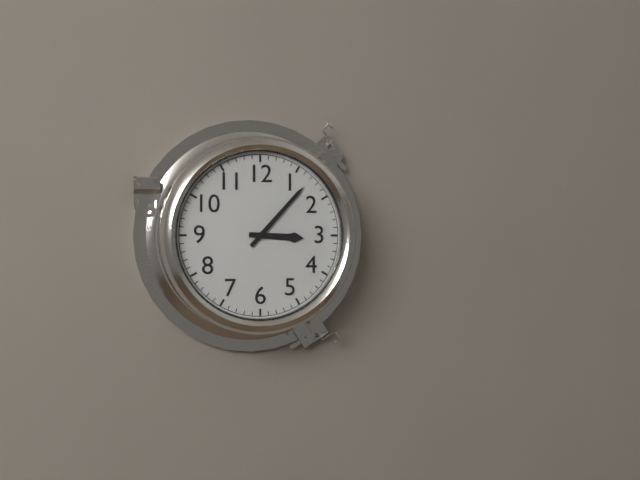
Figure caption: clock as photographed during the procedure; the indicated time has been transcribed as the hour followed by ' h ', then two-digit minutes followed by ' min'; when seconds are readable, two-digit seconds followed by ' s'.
3 h 07 min
